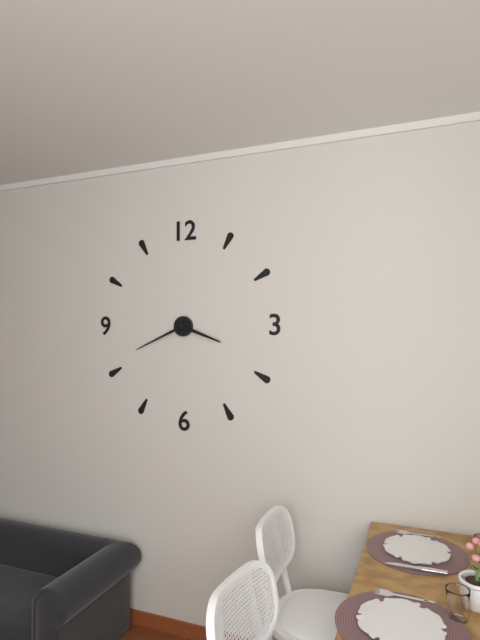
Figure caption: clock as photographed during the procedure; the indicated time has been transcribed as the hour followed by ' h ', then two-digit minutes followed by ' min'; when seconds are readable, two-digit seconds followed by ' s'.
3 h 41 min
